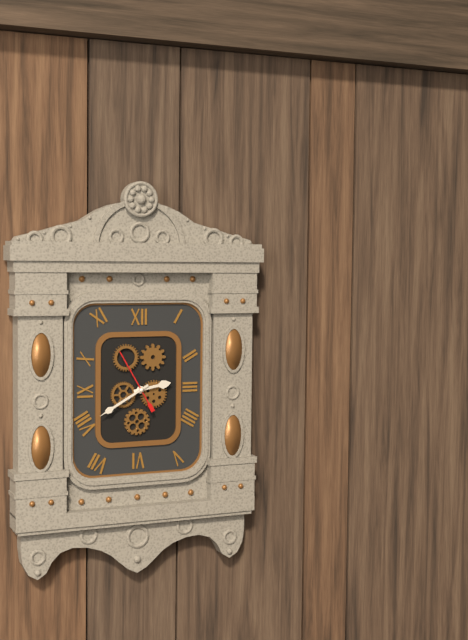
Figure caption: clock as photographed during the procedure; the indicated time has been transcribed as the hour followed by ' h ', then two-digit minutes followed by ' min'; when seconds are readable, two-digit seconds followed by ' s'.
2 h 40 min 55 s
